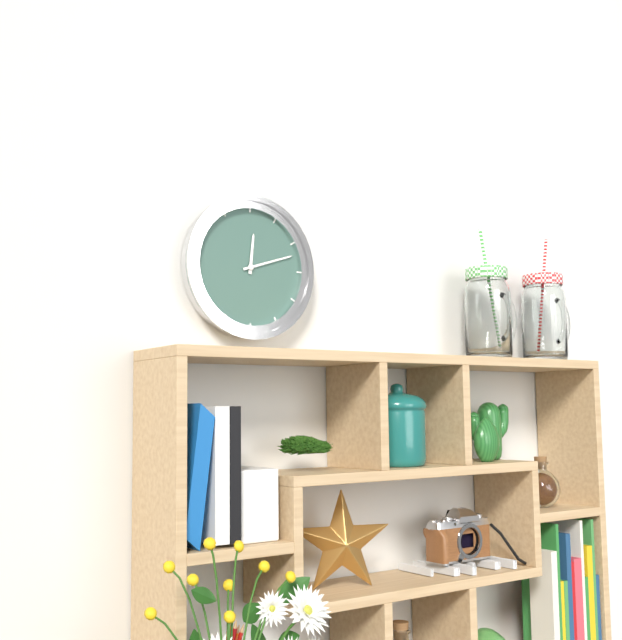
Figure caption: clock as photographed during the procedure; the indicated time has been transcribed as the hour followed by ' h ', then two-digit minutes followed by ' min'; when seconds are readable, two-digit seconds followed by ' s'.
12 h 12 min
